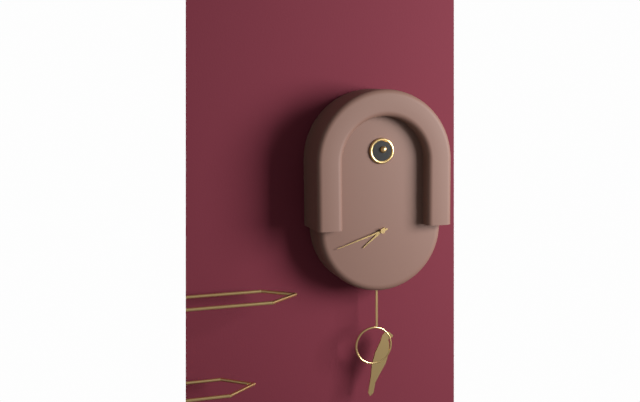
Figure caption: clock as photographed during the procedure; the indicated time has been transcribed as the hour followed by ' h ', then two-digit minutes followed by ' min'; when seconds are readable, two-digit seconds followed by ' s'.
7 h 42 min
